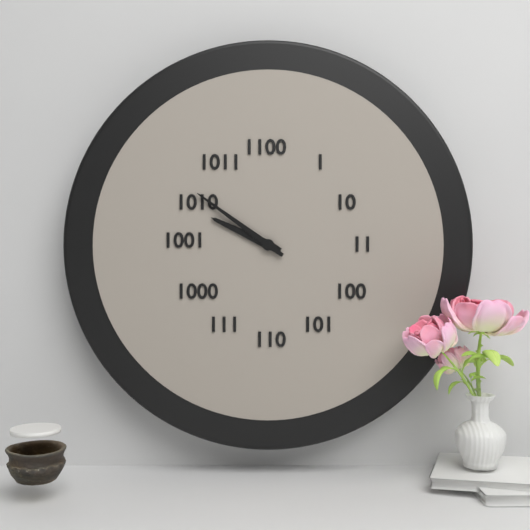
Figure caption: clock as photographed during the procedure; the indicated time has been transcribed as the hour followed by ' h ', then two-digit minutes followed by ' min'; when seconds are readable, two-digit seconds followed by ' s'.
9 h 51 min
